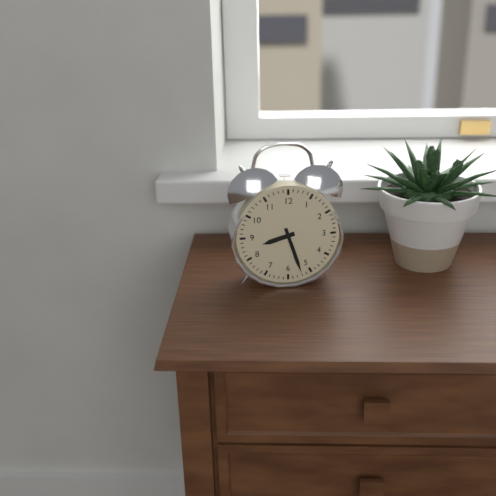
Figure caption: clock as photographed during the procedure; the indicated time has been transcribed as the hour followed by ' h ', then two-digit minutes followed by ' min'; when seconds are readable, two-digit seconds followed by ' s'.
8 h 27 min
